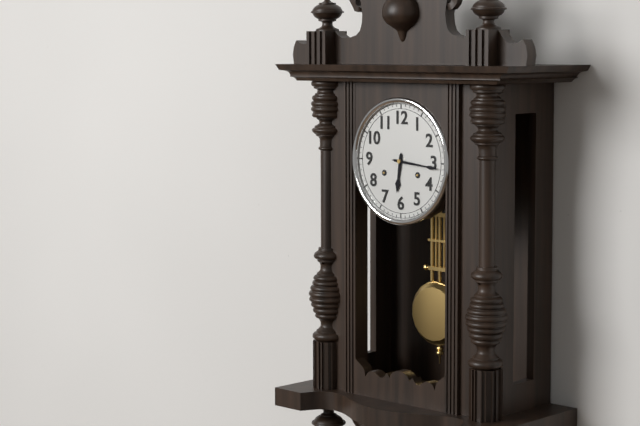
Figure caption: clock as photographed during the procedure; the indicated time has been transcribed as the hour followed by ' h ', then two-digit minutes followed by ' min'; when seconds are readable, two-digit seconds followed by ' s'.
6 h 16 min
